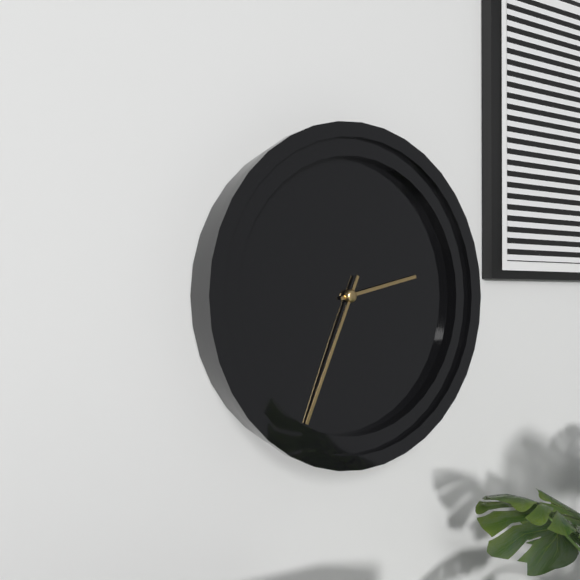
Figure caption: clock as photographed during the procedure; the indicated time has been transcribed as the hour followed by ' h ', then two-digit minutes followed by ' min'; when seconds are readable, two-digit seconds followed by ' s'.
2 h 34 min
